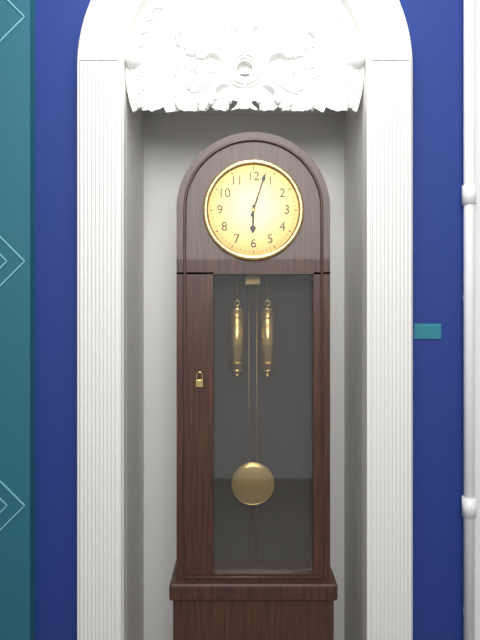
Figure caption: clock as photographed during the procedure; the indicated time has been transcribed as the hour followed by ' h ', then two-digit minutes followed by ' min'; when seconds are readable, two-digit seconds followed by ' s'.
6 h 03 min
